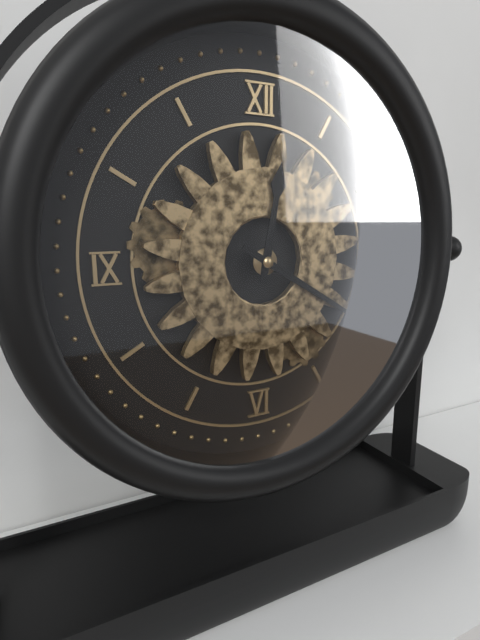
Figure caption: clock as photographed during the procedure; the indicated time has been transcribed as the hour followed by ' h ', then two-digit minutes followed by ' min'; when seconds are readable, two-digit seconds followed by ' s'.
12 h 20 min
